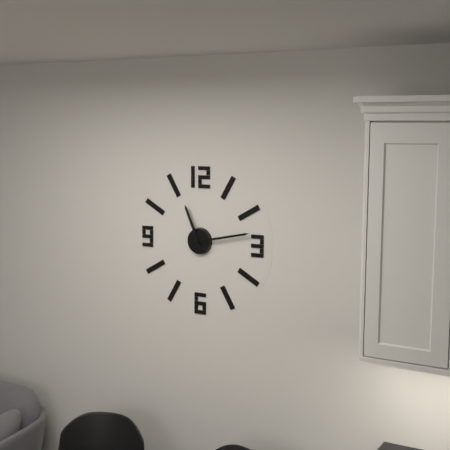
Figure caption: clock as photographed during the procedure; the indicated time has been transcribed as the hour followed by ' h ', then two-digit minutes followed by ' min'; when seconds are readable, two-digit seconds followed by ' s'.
11 h 13 min
